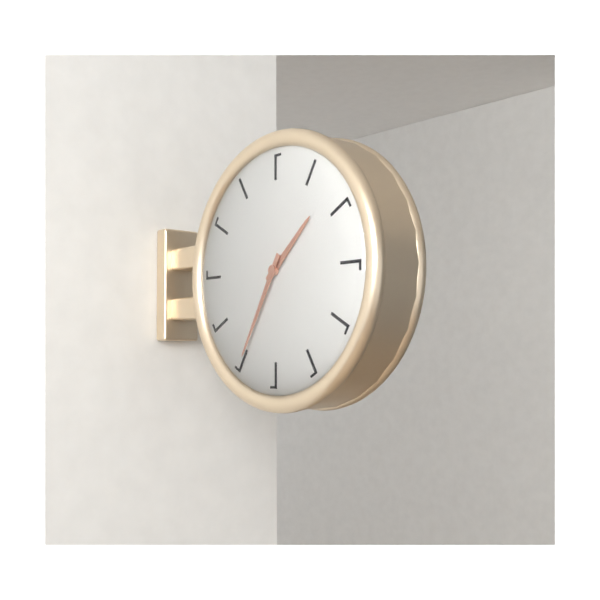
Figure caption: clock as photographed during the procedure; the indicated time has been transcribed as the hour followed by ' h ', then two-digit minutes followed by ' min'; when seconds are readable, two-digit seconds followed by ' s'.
1 h 35 min
